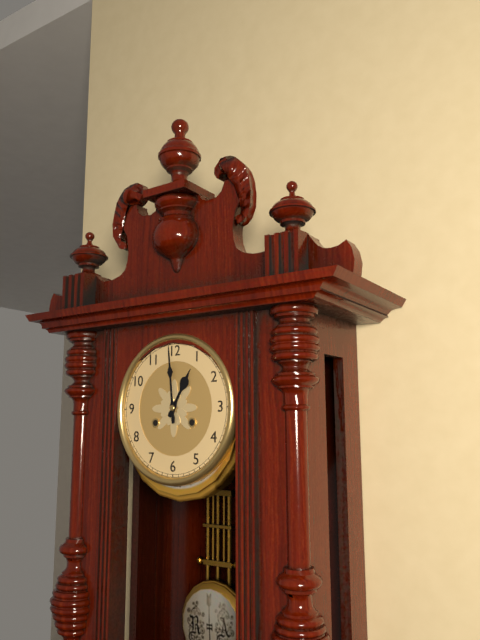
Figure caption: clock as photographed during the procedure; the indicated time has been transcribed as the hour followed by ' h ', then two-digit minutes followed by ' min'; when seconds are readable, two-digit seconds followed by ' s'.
12 h 59 min
